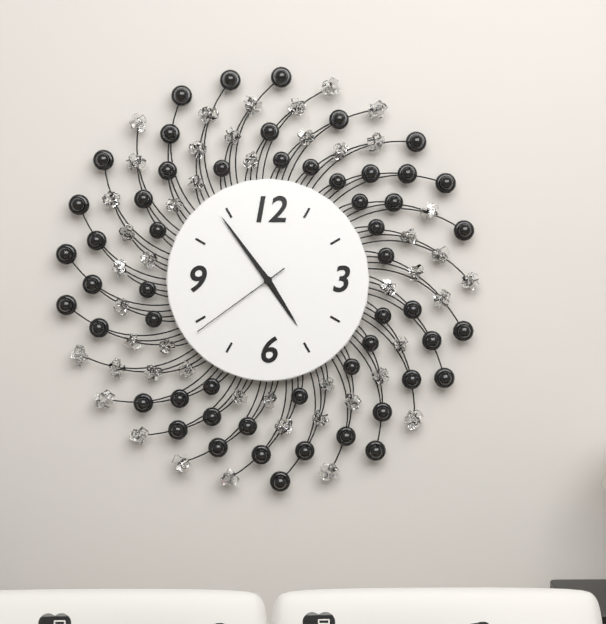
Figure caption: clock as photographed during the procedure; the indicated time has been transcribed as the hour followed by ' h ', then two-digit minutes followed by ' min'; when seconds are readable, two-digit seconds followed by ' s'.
4 h 54 min 39 s
